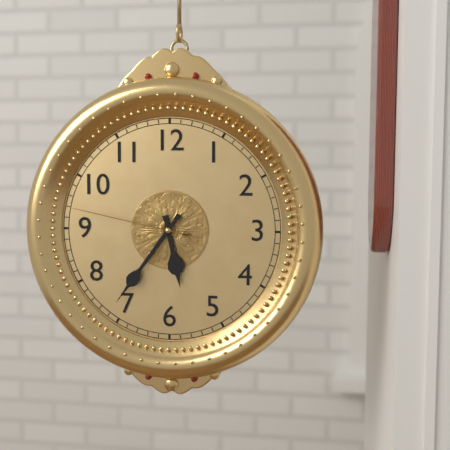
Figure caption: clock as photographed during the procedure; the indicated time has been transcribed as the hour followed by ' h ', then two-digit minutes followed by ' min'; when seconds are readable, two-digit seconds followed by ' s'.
5 h 36 min 47 s
